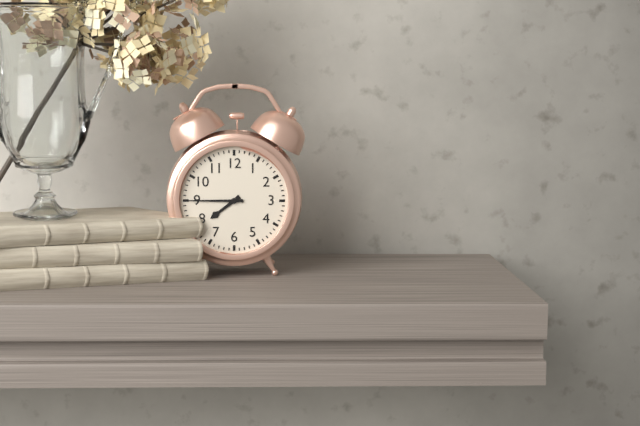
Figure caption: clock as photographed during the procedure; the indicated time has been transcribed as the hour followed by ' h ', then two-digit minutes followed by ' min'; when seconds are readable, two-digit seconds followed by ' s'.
7 h 45 min
